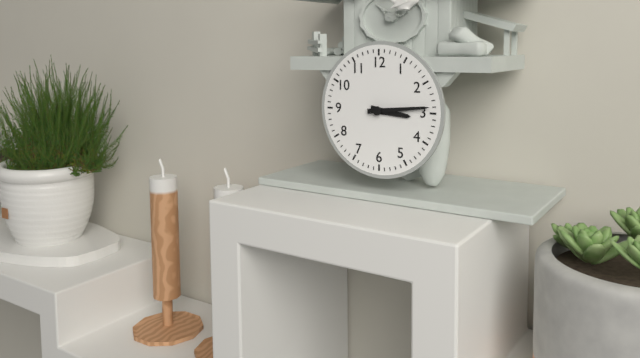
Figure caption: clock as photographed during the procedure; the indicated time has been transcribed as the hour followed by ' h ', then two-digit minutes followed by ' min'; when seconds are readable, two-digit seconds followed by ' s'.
3 h 14 min
